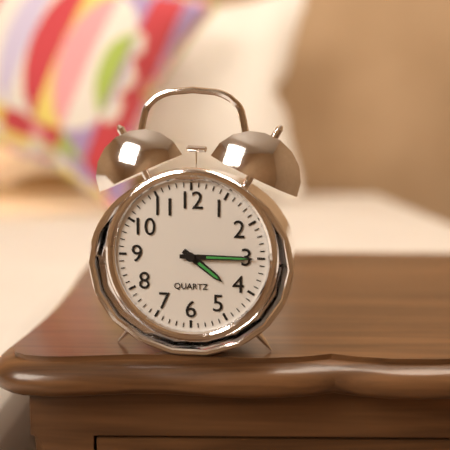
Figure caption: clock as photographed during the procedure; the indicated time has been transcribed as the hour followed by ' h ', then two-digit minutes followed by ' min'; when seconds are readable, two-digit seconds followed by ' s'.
4 h 15 min
